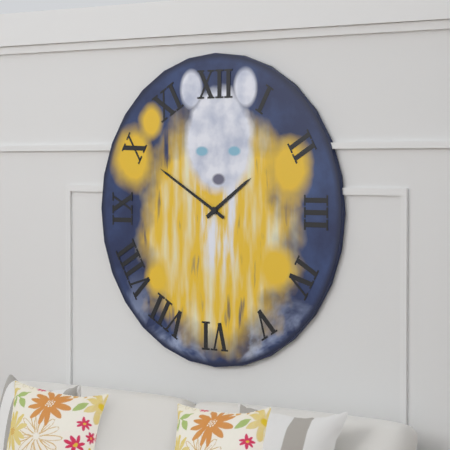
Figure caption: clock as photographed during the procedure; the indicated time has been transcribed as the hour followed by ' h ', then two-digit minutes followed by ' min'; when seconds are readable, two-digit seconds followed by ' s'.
1 h 50 min
